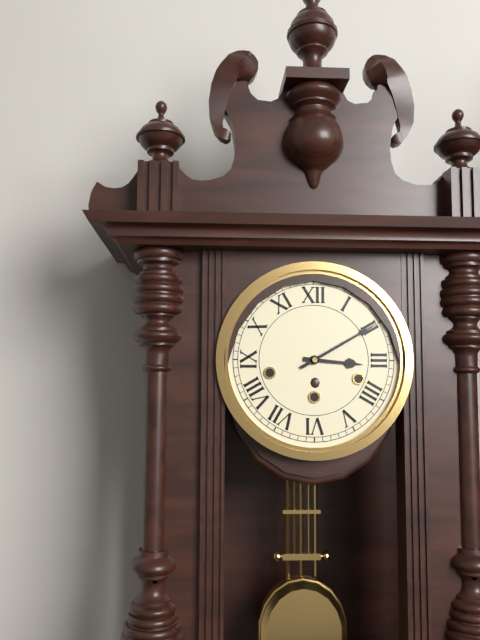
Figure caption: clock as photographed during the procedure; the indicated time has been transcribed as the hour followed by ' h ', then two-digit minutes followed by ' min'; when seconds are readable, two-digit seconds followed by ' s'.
3 h 10 min
